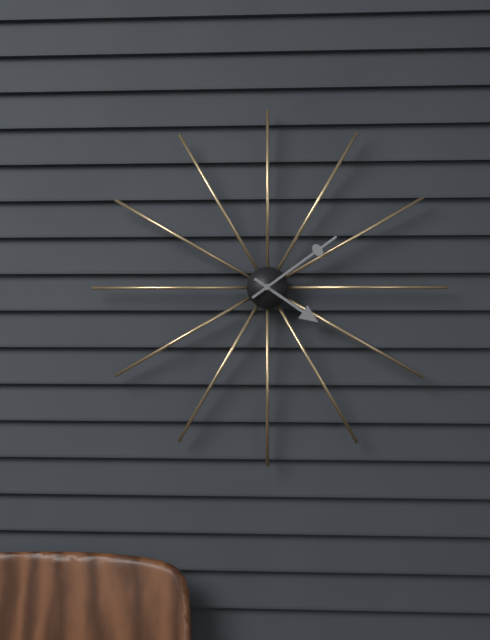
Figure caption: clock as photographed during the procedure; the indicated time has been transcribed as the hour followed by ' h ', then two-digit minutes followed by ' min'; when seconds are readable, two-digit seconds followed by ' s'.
4 h 09 min
